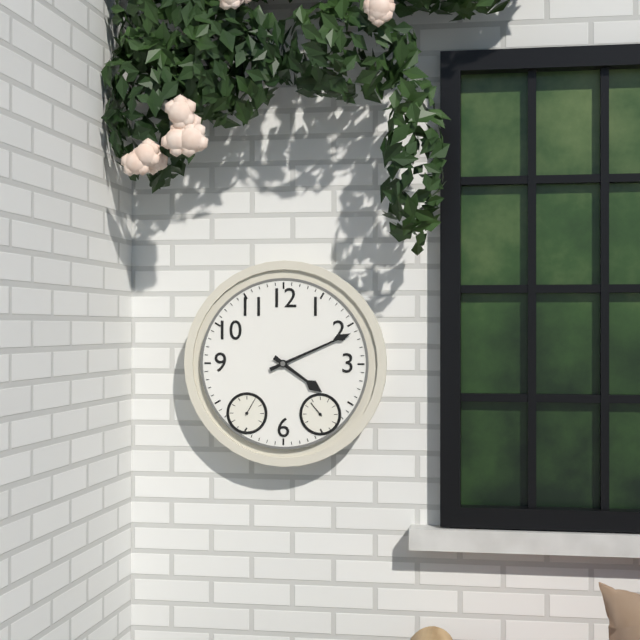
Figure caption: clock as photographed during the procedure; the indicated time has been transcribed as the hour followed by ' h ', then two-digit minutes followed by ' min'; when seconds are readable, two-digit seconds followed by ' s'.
4 h 11 min
